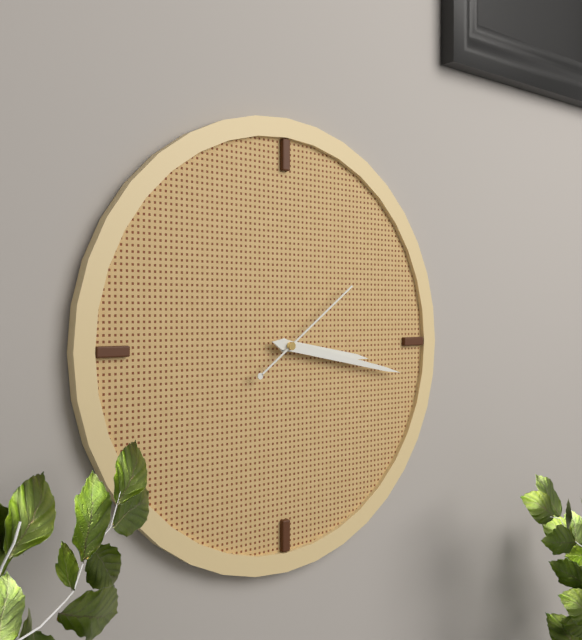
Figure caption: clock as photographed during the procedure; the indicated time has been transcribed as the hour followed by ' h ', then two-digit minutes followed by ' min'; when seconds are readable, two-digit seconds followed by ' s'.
3 h 17 min 09 s
